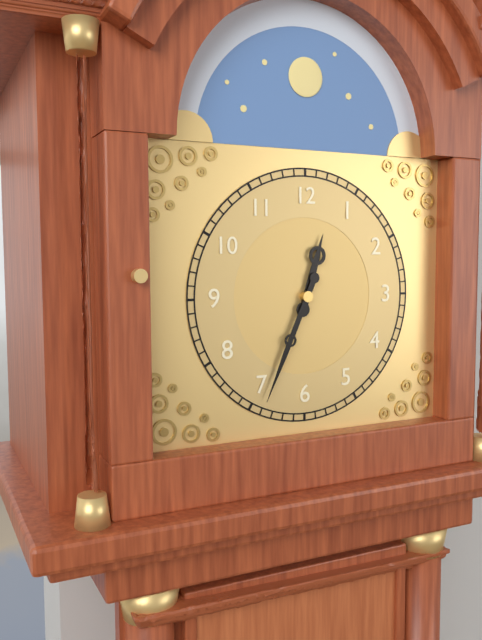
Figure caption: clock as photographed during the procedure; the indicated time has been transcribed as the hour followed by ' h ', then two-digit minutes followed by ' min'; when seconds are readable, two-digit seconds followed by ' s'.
12 h 34 min
